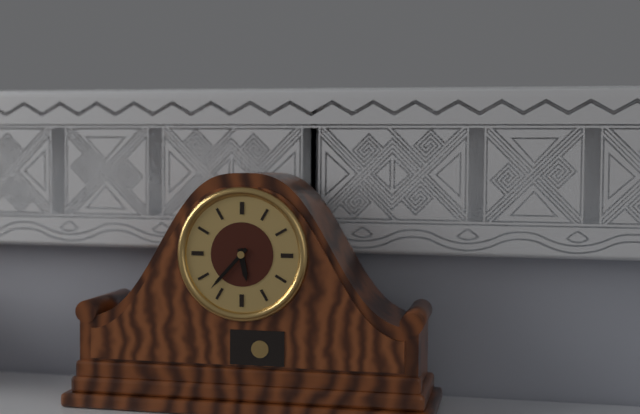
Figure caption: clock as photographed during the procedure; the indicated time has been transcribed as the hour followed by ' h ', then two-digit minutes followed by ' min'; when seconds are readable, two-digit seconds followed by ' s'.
5 h 37 min
